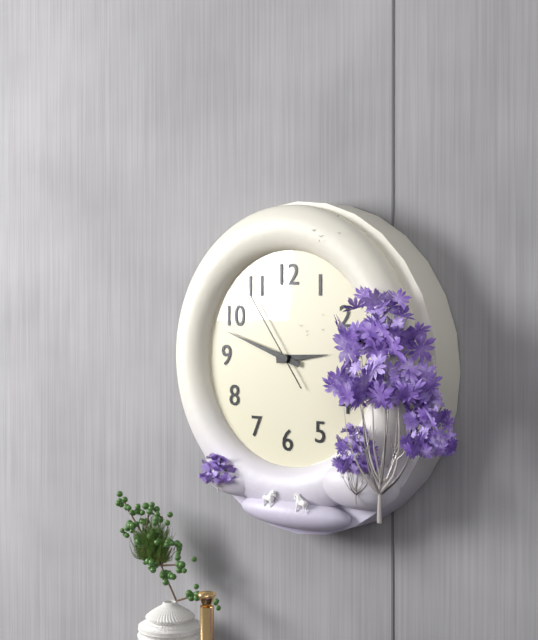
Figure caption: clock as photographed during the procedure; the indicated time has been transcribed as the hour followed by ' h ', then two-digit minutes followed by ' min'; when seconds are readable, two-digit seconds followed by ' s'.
2 h 48 min 54 s
